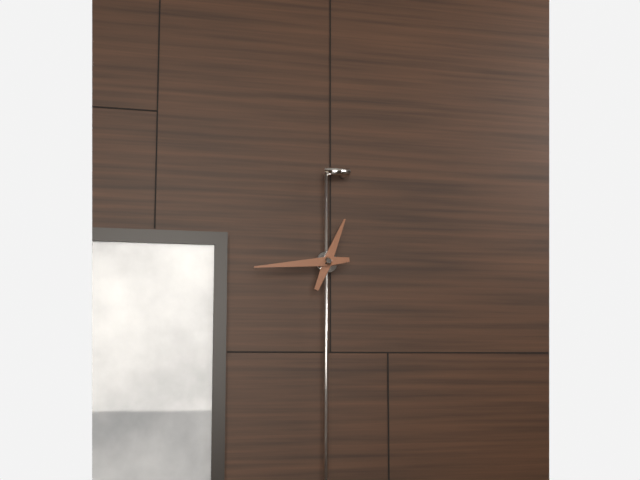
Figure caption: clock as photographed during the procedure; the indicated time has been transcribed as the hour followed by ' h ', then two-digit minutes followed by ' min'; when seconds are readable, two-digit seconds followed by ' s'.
12 h 44 min
